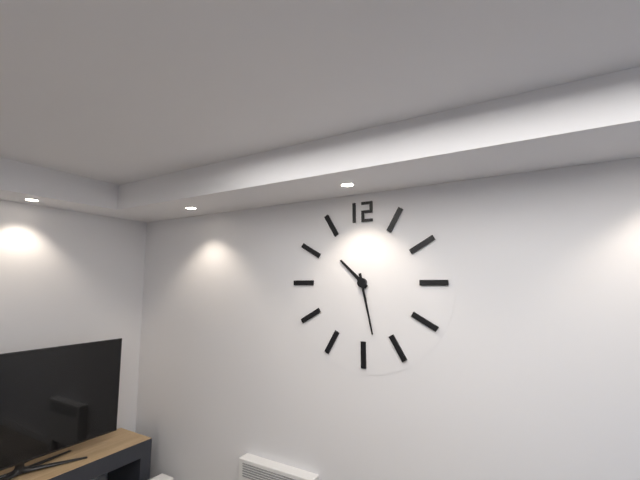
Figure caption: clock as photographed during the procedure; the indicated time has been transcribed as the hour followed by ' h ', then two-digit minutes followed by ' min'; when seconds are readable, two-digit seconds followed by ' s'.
10 h 28 min
